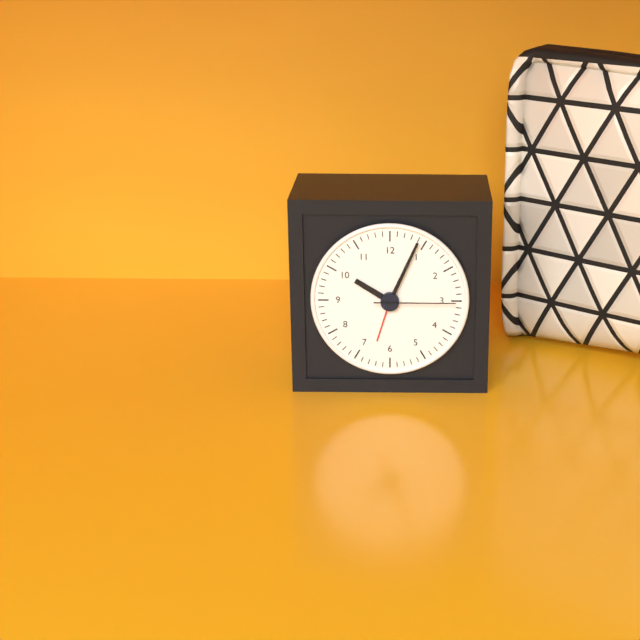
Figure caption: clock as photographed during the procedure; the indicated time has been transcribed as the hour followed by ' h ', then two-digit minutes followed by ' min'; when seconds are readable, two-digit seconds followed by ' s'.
10 h 04 min 15 s
